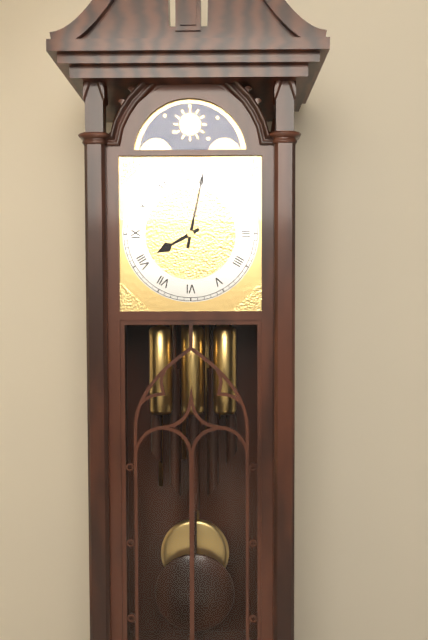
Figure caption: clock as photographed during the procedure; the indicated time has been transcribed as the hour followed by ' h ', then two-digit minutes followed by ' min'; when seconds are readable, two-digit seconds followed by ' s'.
8 h 02 min
